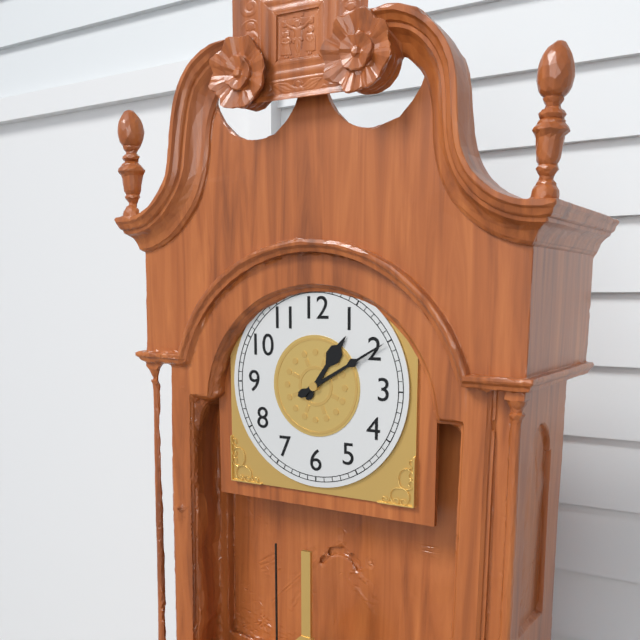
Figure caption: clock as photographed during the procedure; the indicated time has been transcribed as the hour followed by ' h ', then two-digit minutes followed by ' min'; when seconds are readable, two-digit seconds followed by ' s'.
1 h 10 min
